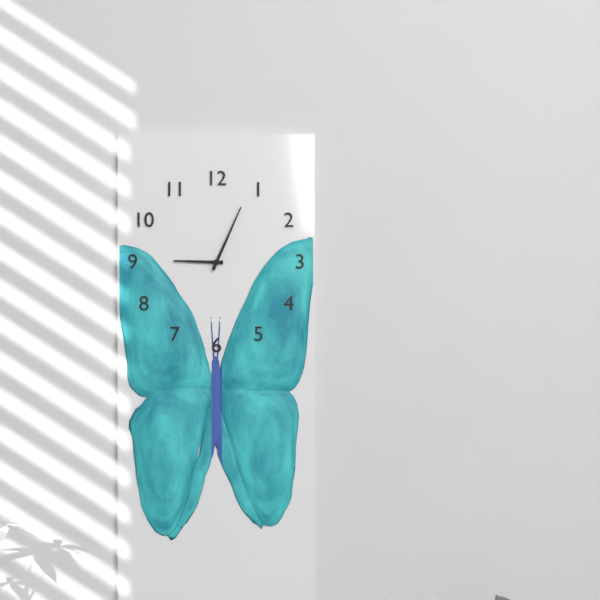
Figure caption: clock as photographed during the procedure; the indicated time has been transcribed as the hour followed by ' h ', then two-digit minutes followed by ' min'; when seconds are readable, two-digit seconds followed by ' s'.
9 h 04 min
